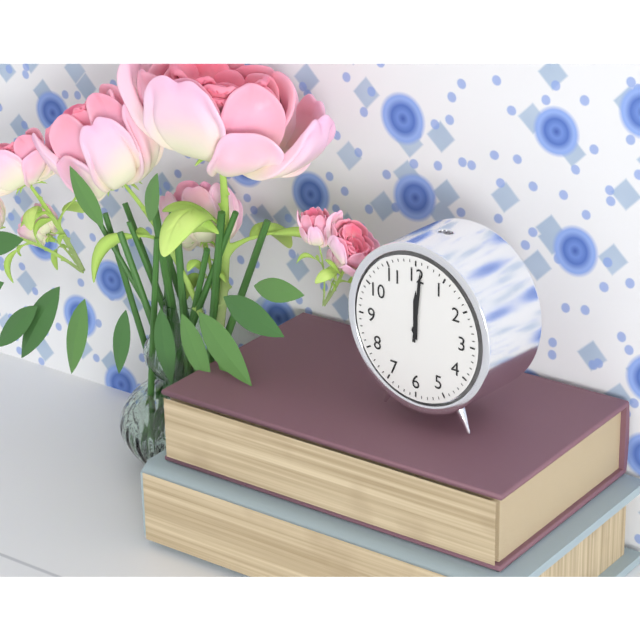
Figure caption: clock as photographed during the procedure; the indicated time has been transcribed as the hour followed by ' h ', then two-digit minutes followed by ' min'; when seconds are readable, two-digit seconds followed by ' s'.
12 h 01 min
